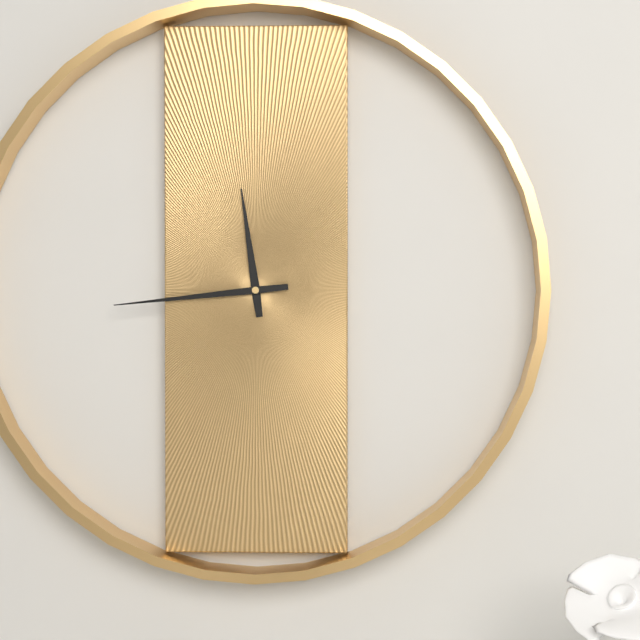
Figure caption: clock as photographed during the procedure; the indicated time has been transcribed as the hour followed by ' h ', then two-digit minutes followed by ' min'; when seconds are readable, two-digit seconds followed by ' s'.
11 h 44 min
